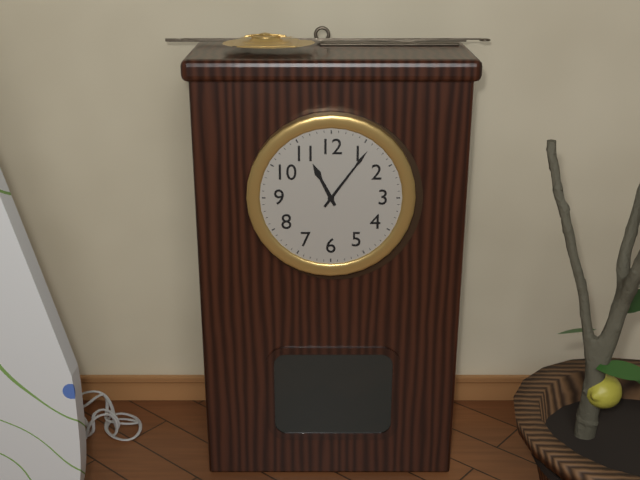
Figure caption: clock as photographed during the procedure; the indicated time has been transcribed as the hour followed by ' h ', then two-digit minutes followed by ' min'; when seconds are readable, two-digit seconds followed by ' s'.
11 h 06 min
